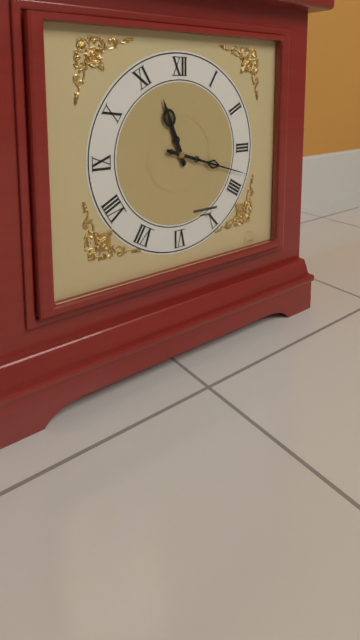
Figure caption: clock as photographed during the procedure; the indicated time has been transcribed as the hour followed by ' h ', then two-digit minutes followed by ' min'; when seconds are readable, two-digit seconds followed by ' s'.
11 h 18 min
